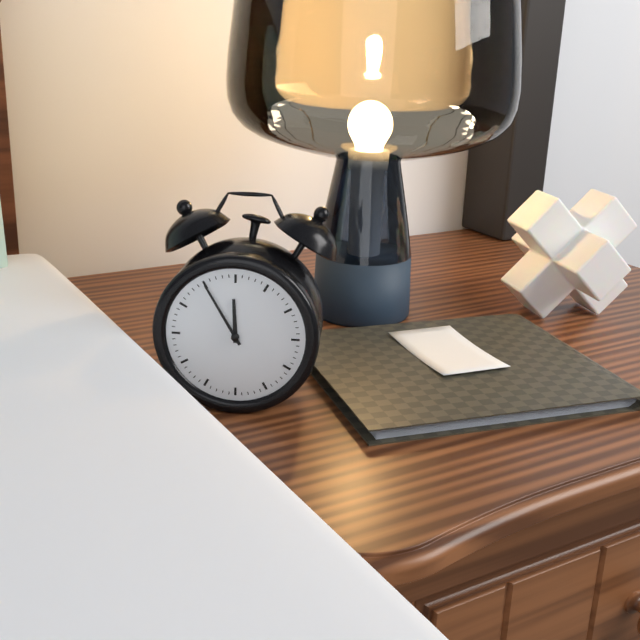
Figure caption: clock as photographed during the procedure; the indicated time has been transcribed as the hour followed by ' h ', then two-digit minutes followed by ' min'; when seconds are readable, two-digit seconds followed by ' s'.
11 h 55 min
